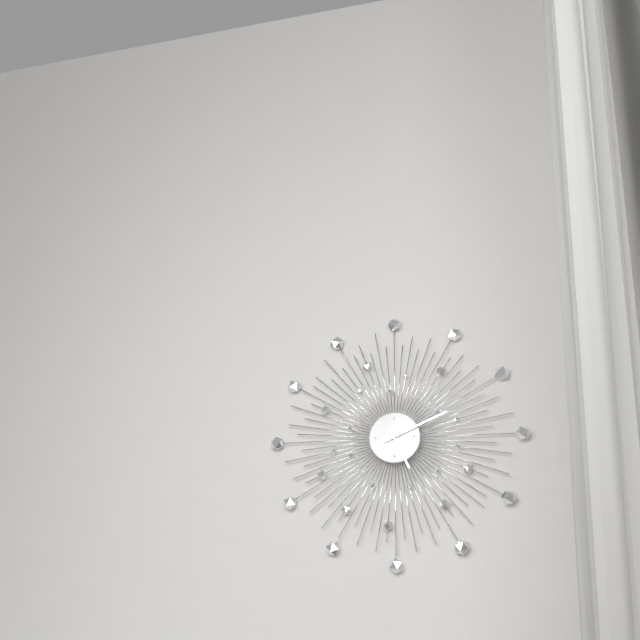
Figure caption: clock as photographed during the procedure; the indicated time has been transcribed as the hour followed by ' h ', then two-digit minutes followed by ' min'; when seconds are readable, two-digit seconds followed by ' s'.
5 h 11 min
